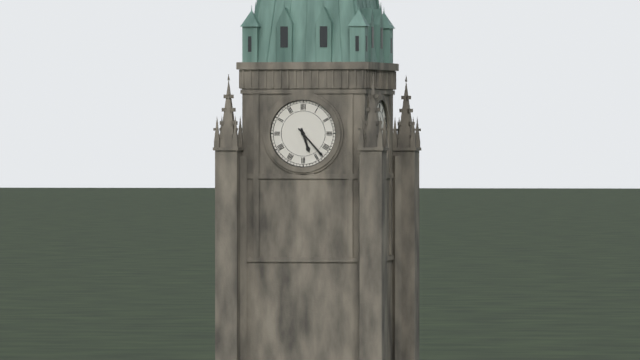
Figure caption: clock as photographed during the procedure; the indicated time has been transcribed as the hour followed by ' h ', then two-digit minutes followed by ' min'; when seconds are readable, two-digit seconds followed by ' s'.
5 h 23 min
